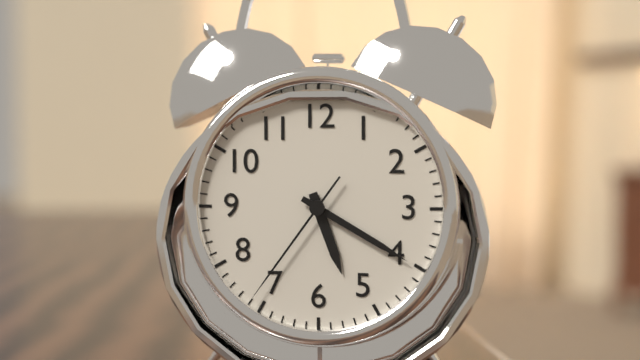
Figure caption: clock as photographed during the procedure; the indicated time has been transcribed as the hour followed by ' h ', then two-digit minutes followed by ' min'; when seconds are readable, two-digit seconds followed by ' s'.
5 h 20 min 36 s
